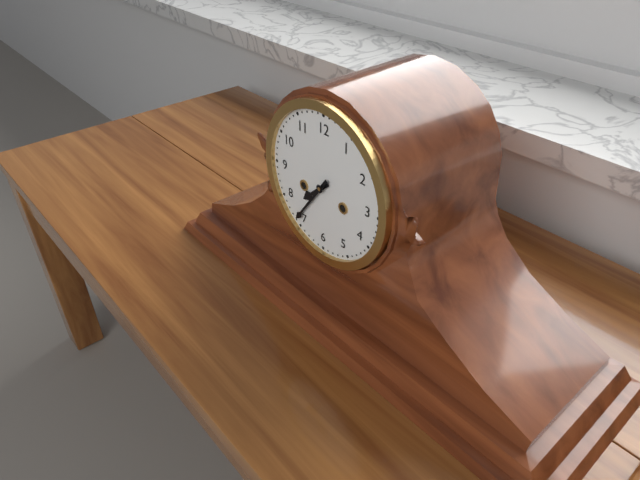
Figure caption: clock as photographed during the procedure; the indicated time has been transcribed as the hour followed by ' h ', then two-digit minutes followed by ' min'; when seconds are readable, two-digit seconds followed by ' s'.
7 h 36 min
